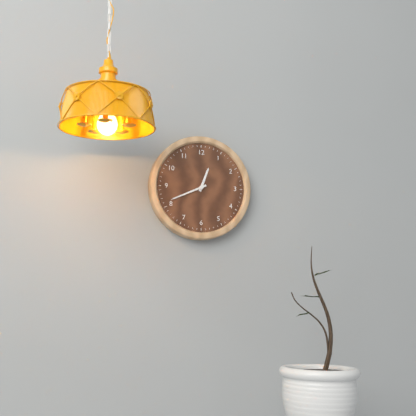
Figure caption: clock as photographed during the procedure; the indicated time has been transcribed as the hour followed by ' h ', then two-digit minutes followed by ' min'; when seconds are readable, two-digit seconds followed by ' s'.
12 h 41 min
